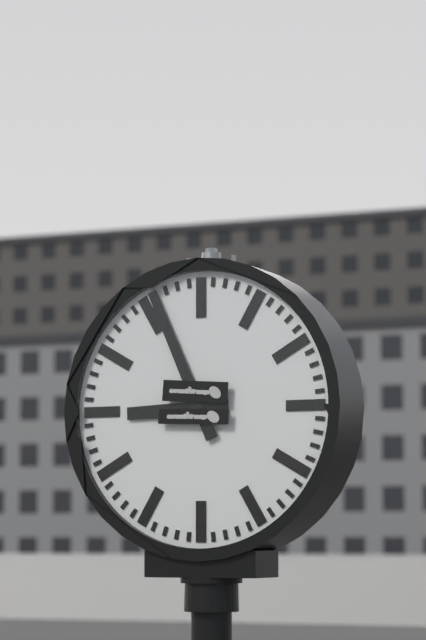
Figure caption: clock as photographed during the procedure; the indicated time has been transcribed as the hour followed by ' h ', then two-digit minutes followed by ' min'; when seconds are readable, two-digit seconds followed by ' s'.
8 h 56 min
